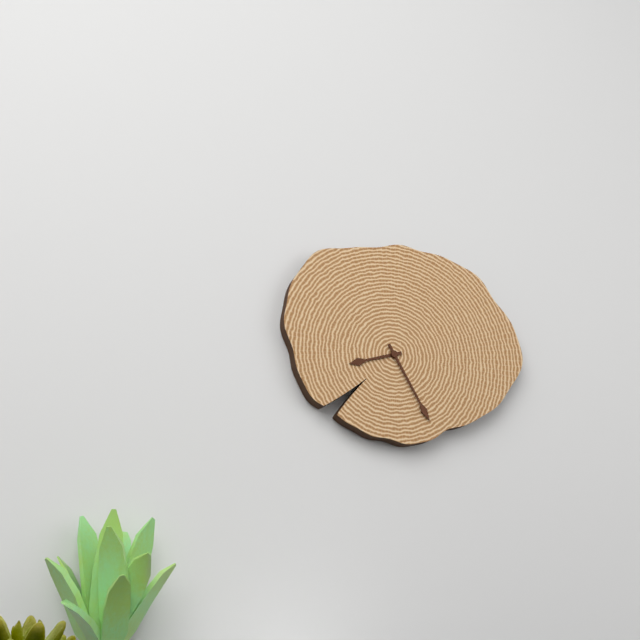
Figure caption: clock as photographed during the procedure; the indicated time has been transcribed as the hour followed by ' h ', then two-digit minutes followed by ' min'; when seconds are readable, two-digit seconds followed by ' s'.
8 h 25 min
